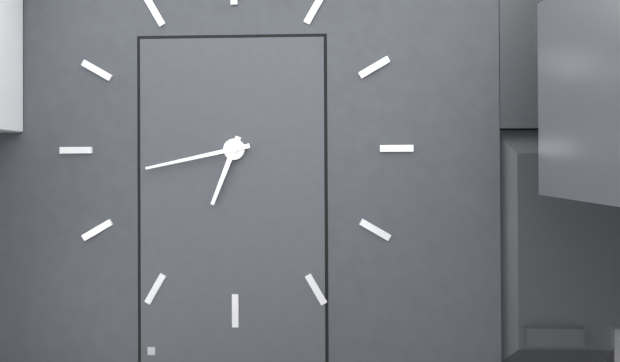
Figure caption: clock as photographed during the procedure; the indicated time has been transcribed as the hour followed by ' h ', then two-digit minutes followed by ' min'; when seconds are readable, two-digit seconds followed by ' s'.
6 h 43 min
